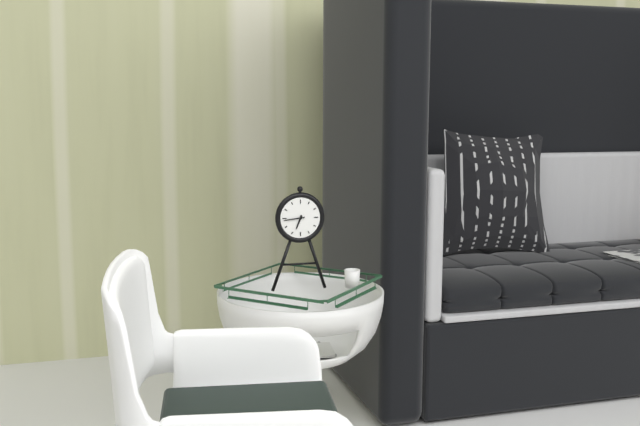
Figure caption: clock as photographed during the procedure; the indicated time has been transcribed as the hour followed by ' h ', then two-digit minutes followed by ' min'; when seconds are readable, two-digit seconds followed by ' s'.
6 h 44 min
